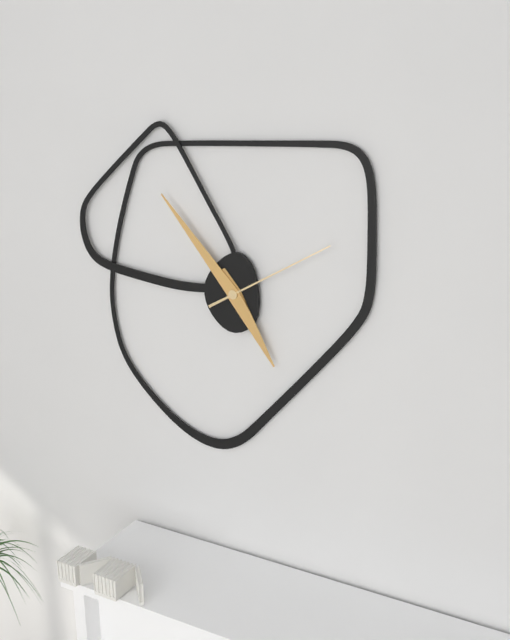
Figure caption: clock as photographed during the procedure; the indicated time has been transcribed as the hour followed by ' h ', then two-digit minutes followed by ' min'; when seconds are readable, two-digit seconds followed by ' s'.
4 h 53 min 10 s
